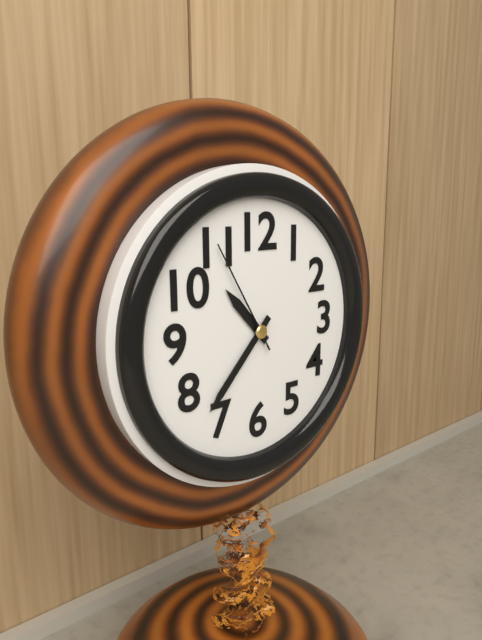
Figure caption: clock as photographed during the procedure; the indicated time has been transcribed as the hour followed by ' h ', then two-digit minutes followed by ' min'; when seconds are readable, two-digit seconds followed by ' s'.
10 h 37 min 55 s
